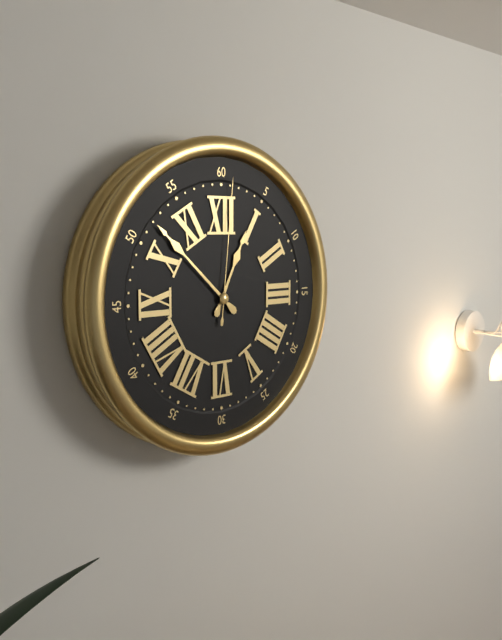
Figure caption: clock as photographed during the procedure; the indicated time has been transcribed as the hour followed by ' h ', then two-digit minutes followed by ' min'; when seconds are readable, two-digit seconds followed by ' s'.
12 h 52 min 01 s
